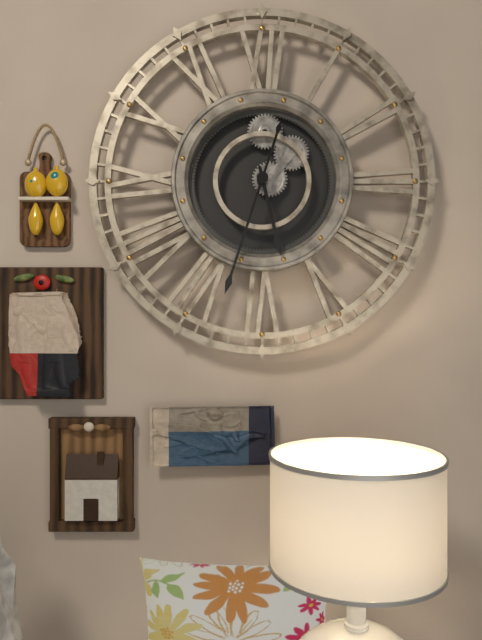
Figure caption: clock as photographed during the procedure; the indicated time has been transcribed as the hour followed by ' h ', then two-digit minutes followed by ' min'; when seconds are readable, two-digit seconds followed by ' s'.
5 h 33 min
